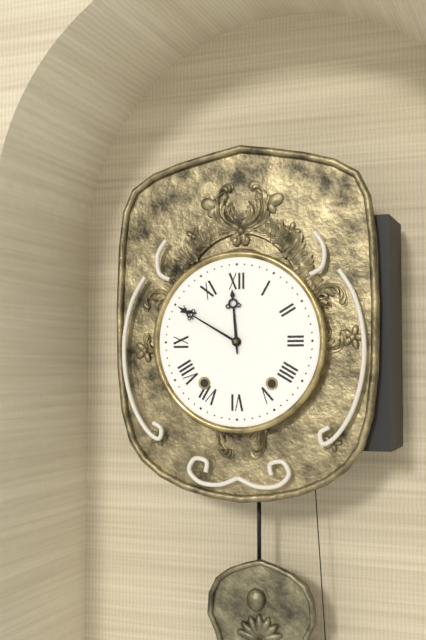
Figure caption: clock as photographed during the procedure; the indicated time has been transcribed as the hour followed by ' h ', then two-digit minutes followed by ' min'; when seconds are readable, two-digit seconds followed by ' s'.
11 h 50 min
